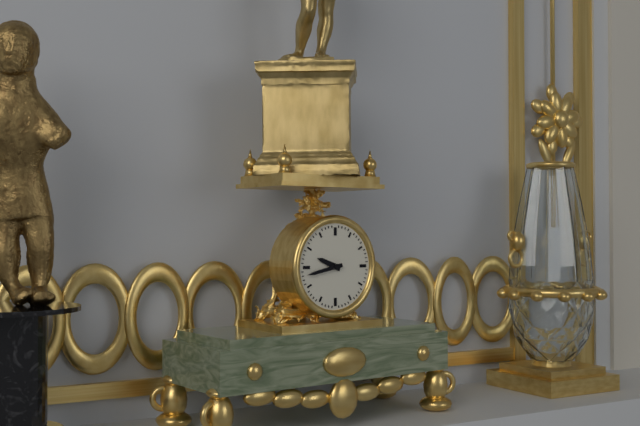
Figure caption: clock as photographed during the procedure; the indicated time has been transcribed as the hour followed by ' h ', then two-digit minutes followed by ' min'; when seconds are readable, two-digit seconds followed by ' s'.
9 h 43 min
